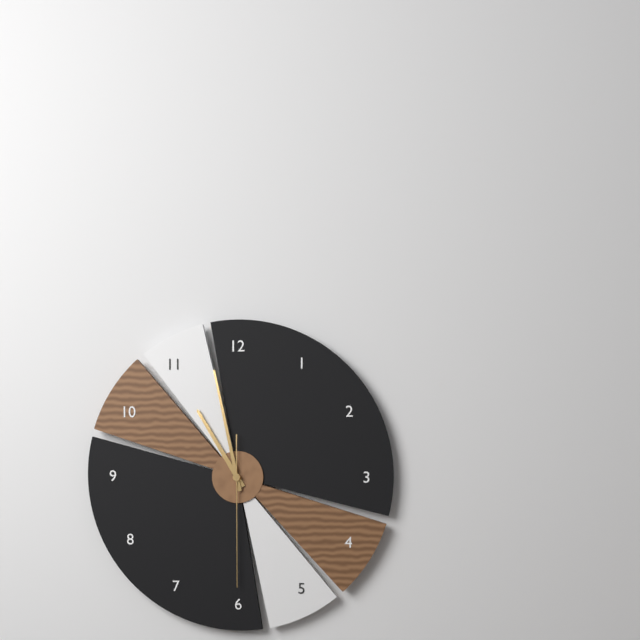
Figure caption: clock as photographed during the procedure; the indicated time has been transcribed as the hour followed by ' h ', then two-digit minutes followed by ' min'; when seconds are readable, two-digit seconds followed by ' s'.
10 h 58 min 30 s
